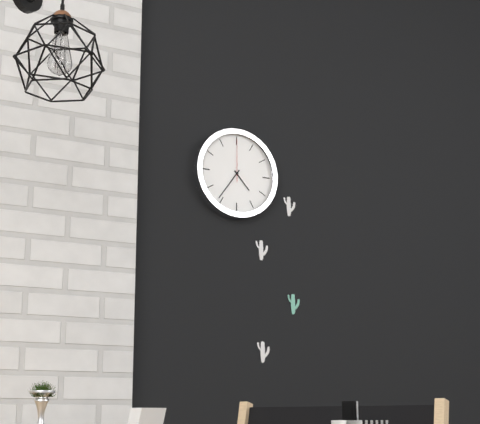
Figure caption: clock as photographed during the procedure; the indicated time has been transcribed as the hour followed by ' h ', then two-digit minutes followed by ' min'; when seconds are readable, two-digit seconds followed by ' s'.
4 h 36 min
